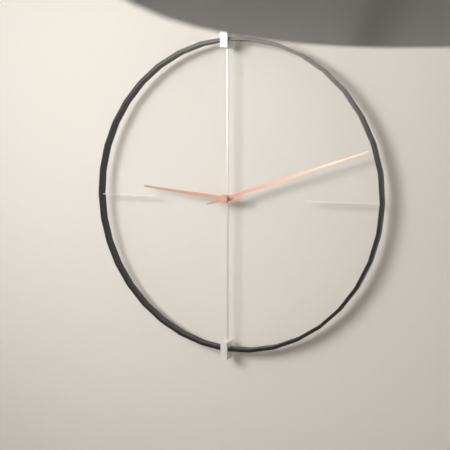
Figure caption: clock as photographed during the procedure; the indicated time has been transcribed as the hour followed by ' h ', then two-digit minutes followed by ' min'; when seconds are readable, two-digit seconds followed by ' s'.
9 h 12 min
